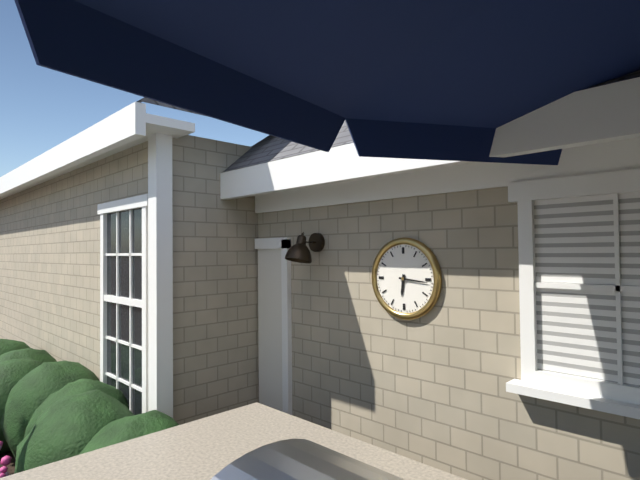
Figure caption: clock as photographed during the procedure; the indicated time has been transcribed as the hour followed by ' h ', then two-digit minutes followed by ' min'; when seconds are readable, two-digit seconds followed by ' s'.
6 h 16 min
